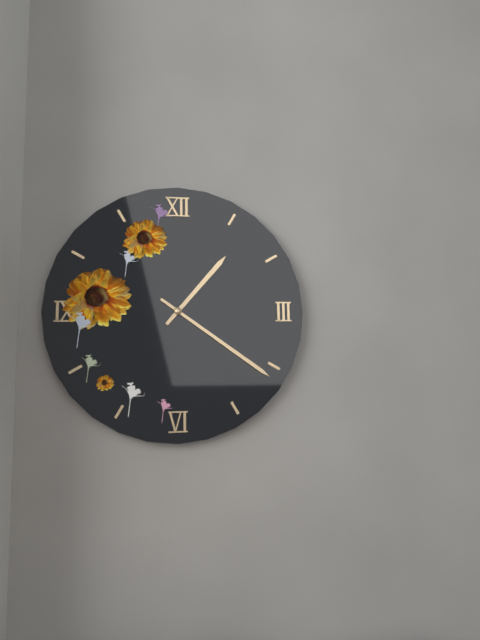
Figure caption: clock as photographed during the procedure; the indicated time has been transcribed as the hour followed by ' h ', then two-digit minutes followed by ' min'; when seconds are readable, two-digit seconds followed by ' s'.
1 h 21 min
